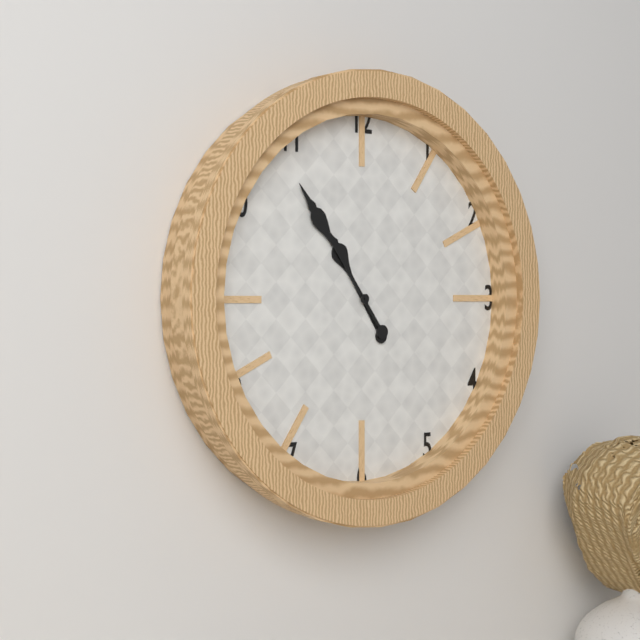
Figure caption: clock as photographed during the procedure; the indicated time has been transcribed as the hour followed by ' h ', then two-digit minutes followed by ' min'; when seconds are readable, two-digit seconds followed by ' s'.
10 h 54 min
